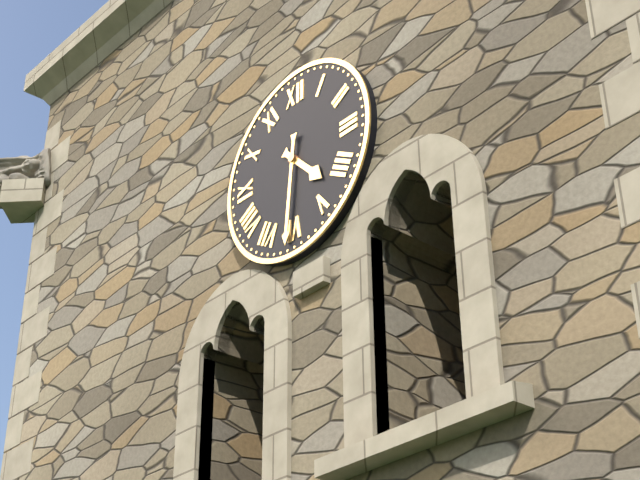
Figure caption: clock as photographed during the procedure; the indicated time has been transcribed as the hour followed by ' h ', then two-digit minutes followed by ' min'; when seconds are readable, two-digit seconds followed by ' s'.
4 h 31 min
